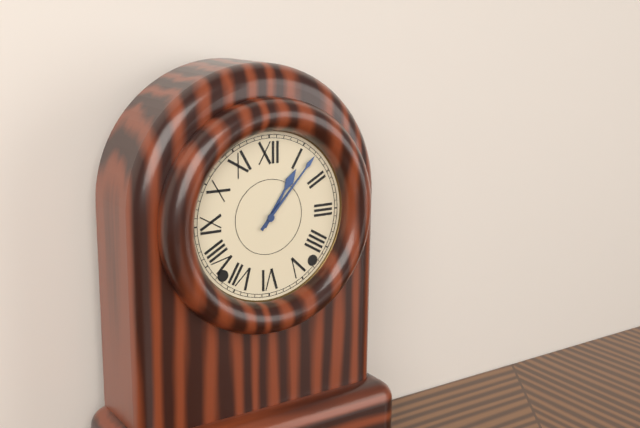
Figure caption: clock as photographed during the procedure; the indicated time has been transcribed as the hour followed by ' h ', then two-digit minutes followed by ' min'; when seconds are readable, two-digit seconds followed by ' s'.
1 h 07 min
